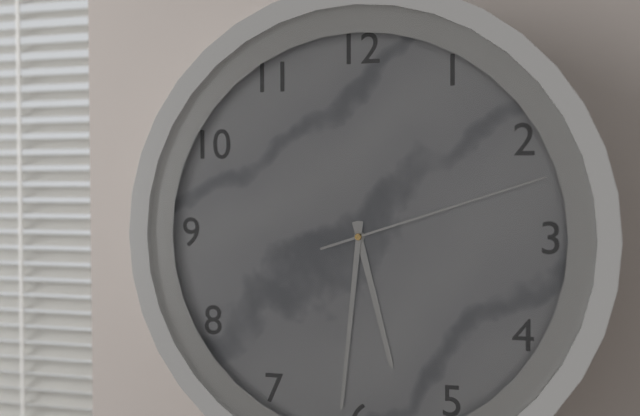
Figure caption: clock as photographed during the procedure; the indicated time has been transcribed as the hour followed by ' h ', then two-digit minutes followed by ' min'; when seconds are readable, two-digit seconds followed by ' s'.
5 h 31 min 12 s
